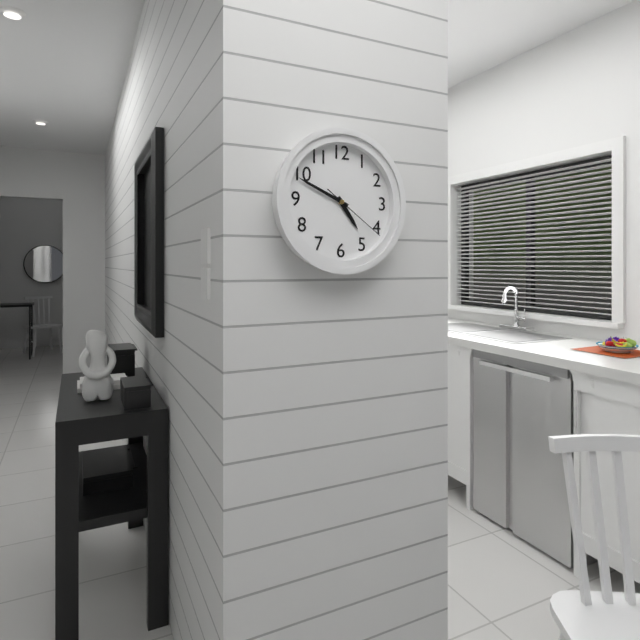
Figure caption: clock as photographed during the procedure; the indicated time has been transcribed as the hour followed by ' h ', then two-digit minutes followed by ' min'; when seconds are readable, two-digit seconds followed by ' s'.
4 h 49 min 21 s
